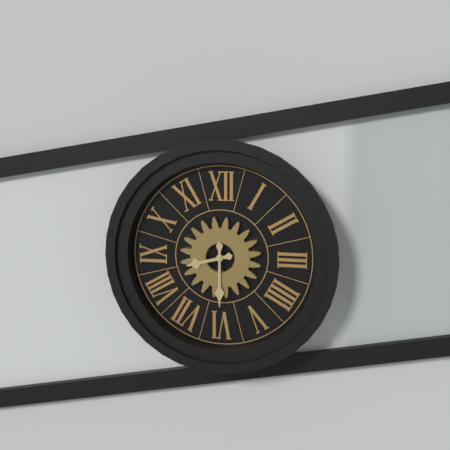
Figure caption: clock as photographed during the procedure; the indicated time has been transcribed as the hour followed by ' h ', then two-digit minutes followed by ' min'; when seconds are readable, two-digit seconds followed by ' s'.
8 h 30 min
